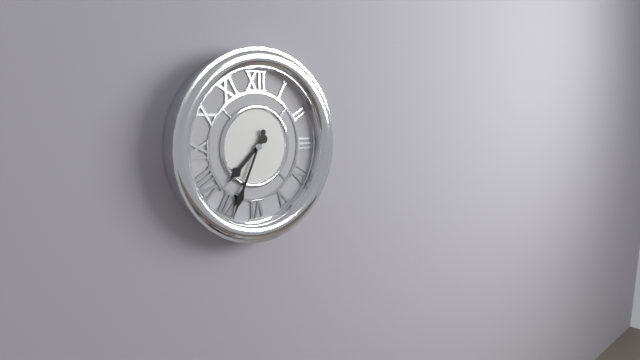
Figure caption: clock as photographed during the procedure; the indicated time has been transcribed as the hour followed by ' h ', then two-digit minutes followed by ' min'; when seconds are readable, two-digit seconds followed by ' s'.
7 h 34 min
